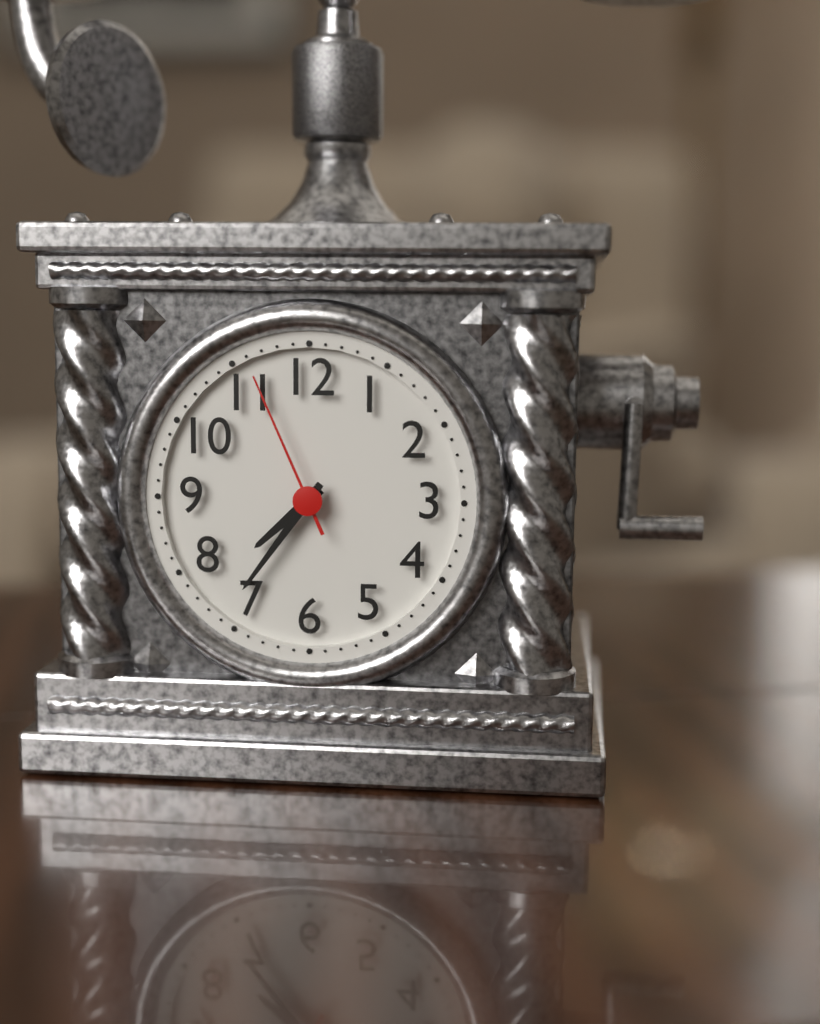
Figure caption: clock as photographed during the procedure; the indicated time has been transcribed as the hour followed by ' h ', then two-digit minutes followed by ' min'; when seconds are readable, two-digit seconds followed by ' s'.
7 h 36 min 56 s
